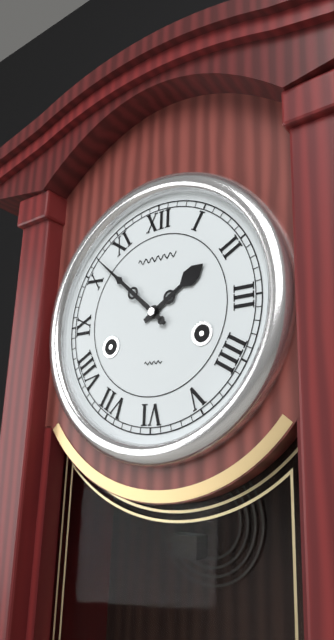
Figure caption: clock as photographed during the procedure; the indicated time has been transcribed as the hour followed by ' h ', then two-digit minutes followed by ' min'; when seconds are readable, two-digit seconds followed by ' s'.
1 h 52 min
